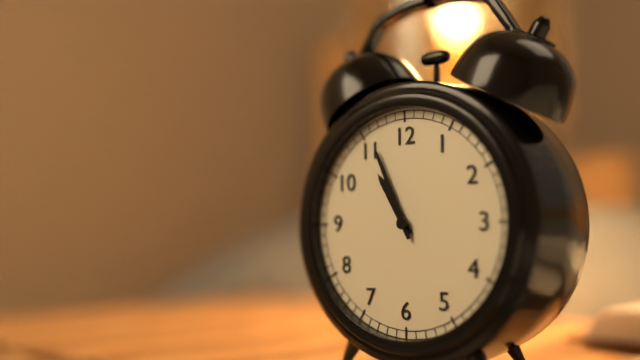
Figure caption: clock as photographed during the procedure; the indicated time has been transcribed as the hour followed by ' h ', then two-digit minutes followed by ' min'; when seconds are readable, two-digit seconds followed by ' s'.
10 h 56 min
